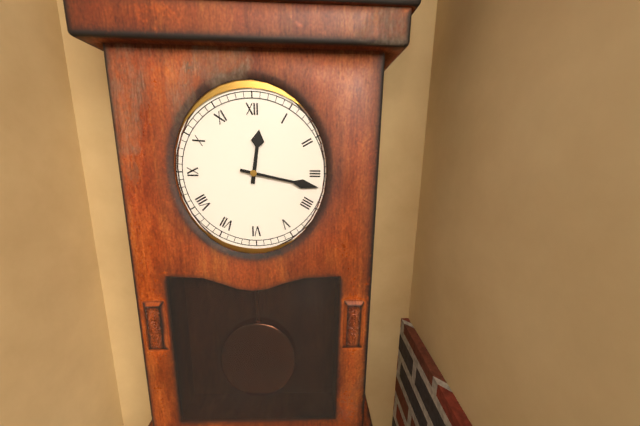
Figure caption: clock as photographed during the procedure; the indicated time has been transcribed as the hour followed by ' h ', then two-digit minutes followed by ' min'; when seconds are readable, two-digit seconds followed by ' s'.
12 h 17 min
